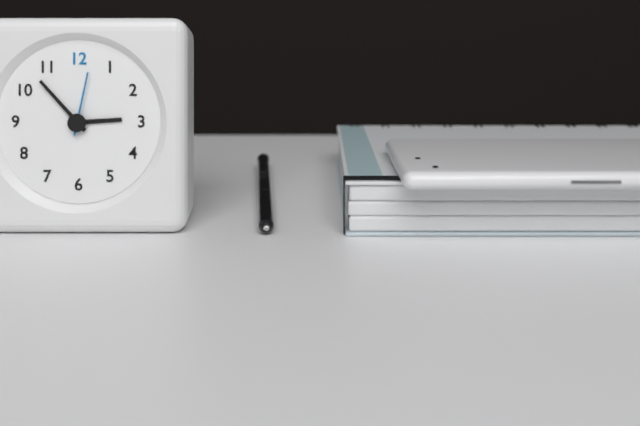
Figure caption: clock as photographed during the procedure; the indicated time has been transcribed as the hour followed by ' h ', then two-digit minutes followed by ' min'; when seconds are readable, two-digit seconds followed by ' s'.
2 h 53 min 02 s
